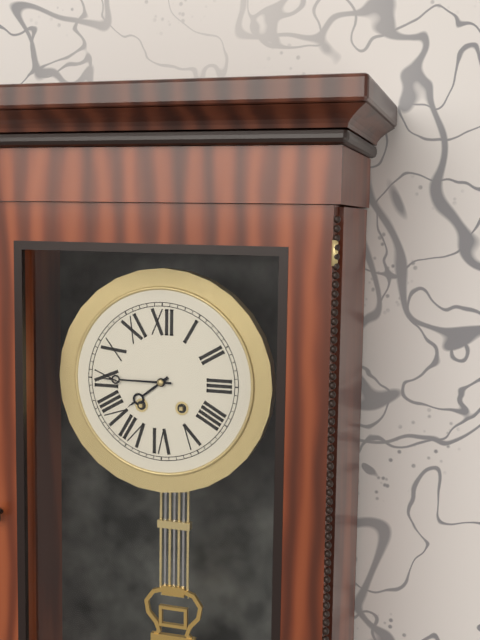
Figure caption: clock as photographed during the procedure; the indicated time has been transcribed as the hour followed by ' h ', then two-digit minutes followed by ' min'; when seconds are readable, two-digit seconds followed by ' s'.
7 h 45 min
